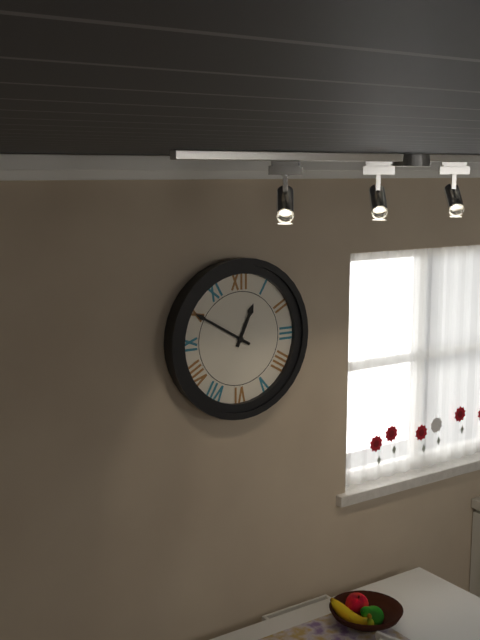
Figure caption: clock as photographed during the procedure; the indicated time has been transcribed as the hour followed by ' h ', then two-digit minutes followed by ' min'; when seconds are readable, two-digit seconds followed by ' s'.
12 h 50 min
